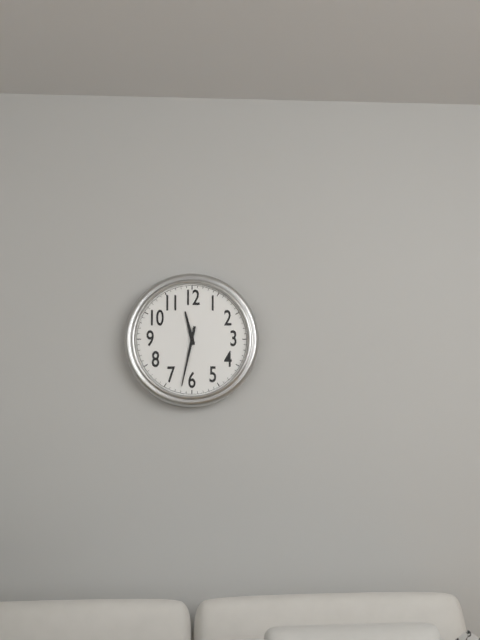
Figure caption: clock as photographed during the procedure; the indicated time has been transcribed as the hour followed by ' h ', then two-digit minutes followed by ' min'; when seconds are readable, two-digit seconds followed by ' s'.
11 h 32 min
